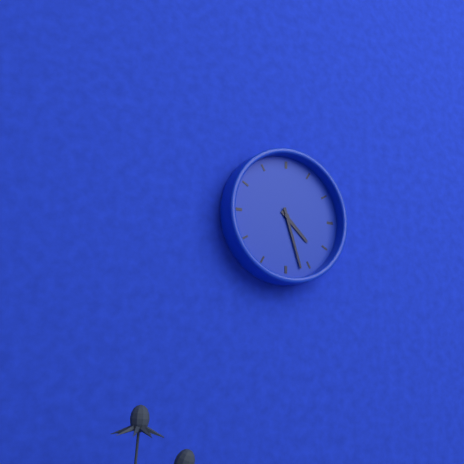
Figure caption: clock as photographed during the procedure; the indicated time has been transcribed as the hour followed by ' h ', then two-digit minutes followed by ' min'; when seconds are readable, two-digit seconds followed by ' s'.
4 h 27 min
